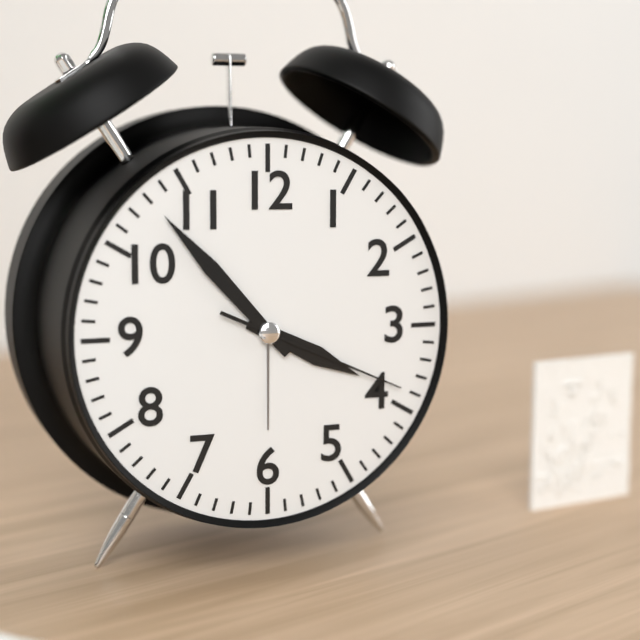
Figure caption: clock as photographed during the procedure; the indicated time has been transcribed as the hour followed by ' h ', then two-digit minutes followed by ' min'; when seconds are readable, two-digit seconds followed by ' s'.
3 h 53 min 19 s
